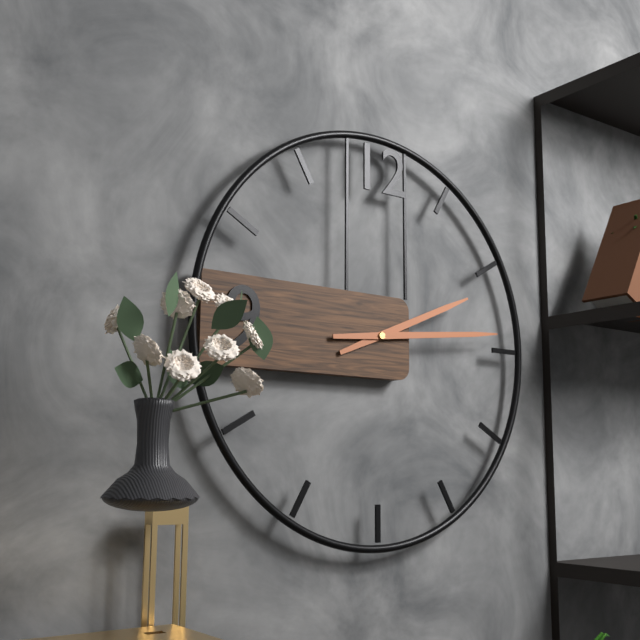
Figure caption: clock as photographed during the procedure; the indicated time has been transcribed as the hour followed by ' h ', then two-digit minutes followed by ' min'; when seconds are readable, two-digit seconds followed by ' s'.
2 h 14 min
